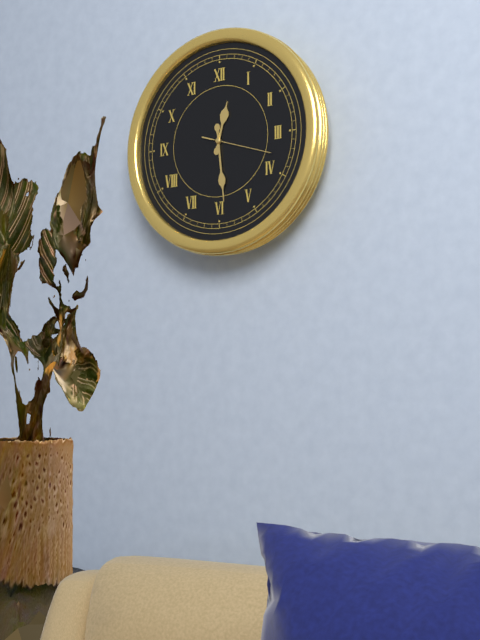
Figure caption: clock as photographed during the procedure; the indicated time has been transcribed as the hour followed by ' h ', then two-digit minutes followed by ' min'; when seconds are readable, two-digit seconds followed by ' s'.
12 h 29 min
